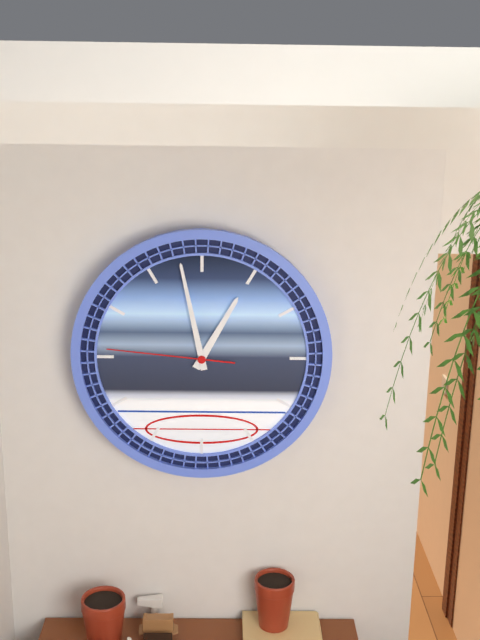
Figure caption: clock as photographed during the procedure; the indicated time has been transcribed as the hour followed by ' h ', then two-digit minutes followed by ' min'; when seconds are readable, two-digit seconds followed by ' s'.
12 h 58 min 46 s
